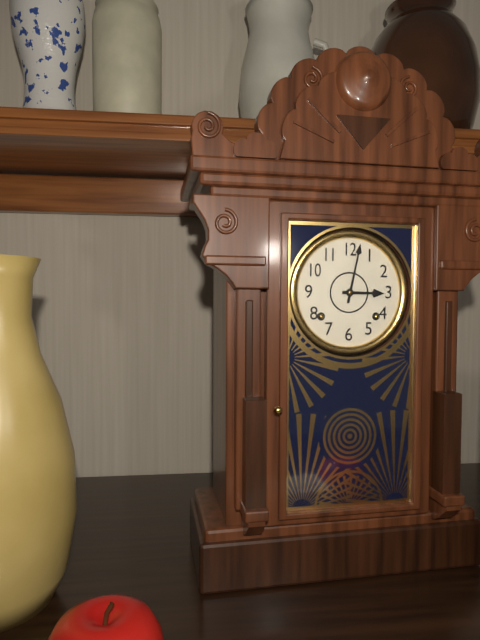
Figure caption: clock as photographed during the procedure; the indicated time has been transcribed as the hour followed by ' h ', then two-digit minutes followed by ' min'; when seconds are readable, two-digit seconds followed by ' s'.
3 h 02 min
